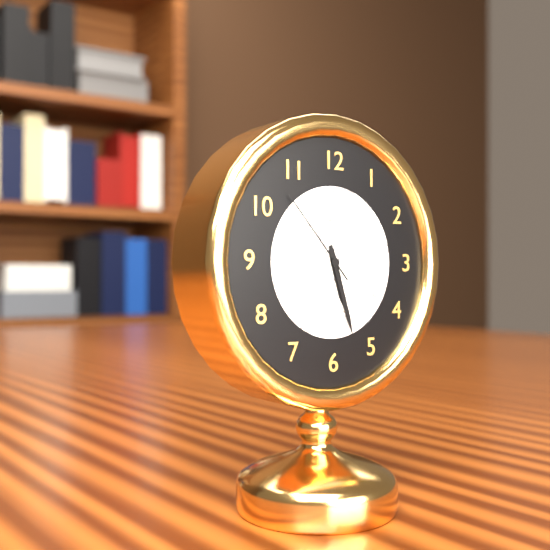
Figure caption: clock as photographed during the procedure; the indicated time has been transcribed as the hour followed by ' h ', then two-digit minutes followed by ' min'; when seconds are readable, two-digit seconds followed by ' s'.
5 h 27 min 53 s
